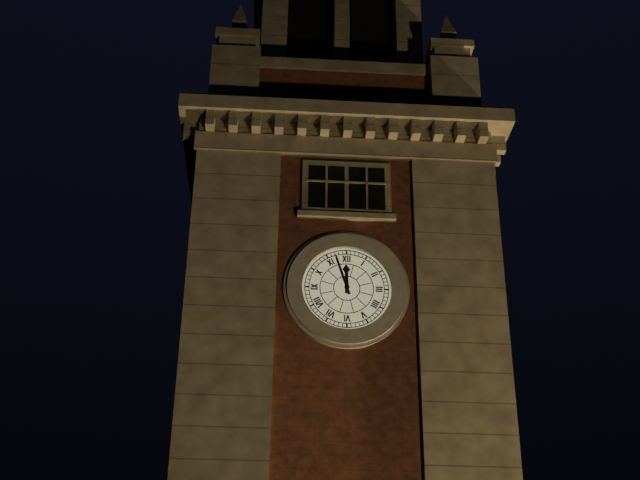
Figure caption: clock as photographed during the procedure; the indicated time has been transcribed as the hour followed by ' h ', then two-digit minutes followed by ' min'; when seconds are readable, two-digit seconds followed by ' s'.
11 h 57 min
